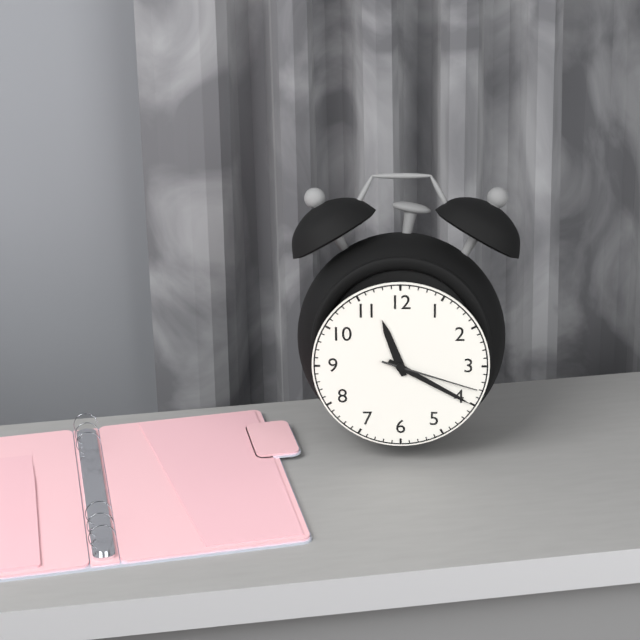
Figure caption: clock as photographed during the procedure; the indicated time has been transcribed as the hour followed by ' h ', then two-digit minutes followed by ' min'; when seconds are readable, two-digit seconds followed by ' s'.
11 h 20 min 18 s
